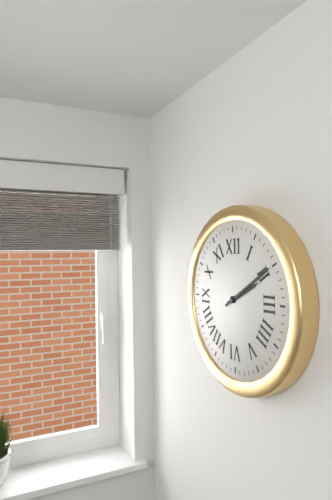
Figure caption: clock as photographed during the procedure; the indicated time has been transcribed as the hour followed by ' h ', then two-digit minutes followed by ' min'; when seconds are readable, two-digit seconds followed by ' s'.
2 h 10 min
